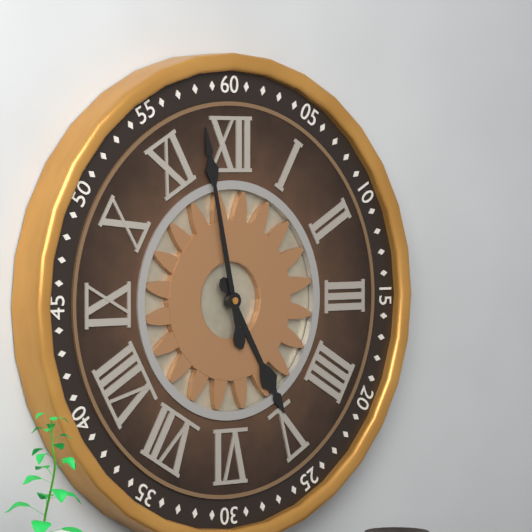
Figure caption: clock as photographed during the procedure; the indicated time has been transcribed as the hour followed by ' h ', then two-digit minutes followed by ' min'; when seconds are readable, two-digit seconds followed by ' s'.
4 h 58 min
